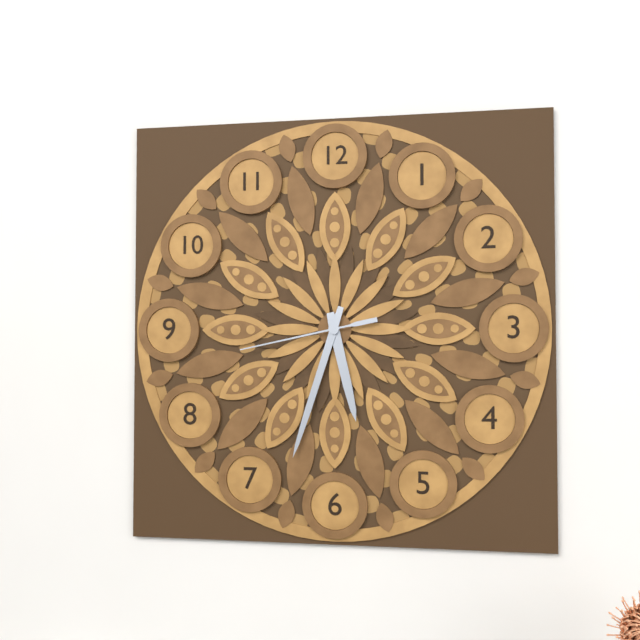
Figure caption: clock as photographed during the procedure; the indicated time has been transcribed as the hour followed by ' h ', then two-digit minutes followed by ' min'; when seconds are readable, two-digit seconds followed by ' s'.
5 h 33 min 43 s
